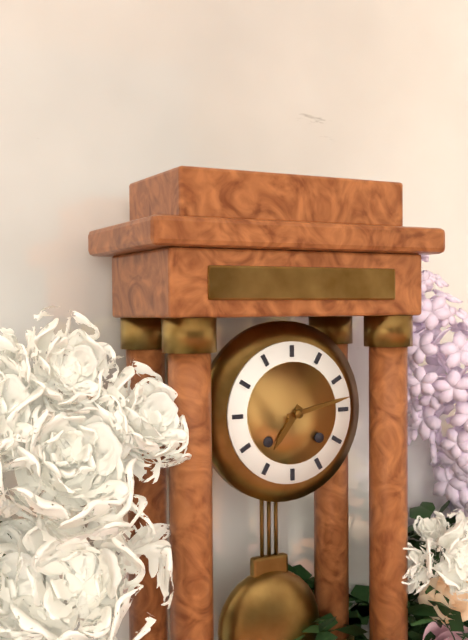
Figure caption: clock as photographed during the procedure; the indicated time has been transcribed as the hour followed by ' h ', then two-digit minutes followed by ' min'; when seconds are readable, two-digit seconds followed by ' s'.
7 h 13 min
